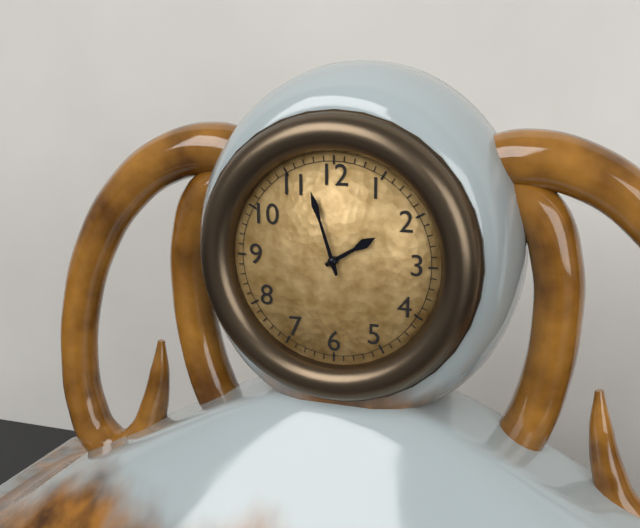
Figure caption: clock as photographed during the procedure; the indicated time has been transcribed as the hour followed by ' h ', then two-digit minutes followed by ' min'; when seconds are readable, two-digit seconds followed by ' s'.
1 h 57 min
